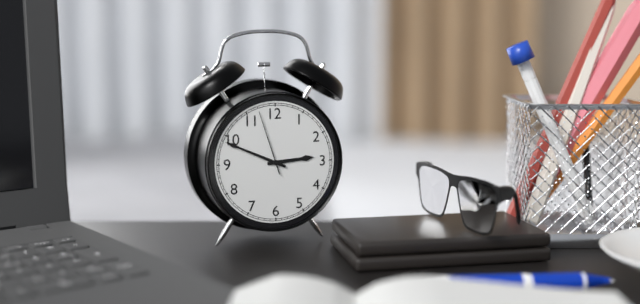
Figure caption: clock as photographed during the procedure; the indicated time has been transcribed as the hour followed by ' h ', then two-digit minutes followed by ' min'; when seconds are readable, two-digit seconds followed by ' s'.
2 h 49 min 57 s
